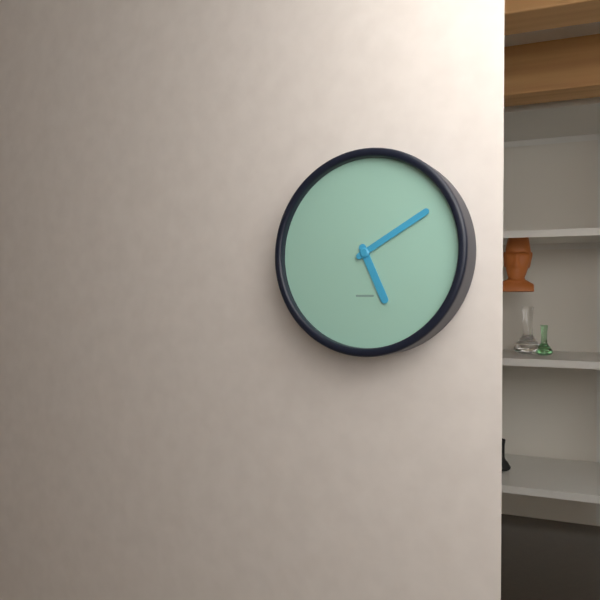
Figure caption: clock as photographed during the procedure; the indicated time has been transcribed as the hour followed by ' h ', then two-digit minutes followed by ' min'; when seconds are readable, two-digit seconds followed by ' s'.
5 h 10 min
